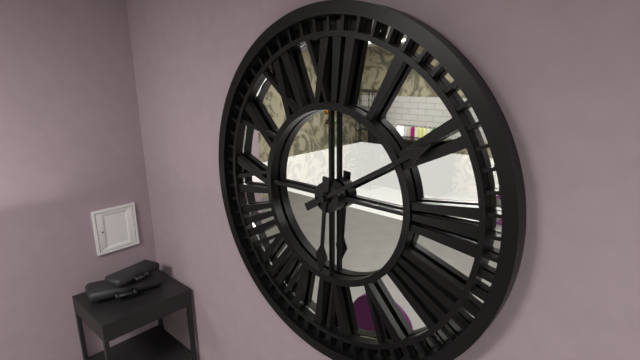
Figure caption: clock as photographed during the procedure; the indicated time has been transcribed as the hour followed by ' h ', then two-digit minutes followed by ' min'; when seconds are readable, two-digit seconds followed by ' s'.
6 h 10 min
